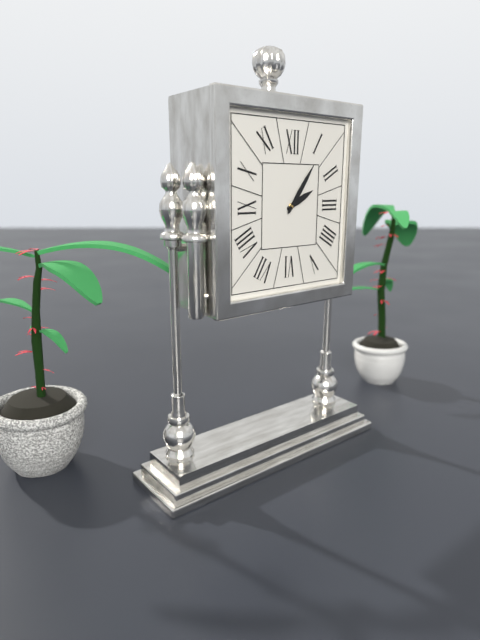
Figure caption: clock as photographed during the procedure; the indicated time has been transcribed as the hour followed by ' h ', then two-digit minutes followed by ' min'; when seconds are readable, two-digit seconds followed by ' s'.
2 h 06 min
